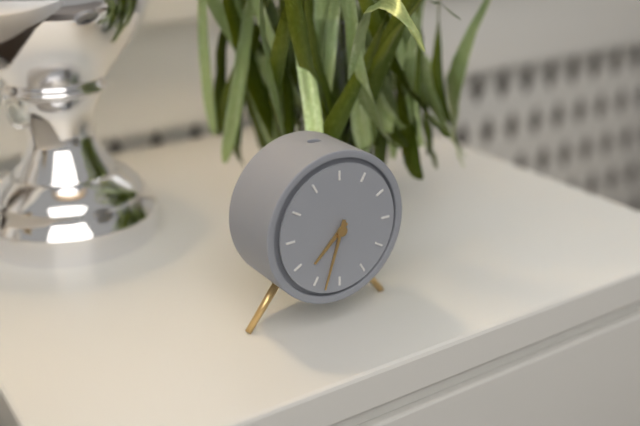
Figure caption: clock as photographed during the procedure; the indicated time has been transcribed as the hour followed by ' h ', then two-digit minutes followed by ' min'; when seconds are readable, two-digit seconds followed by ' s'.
7 h 33 min
